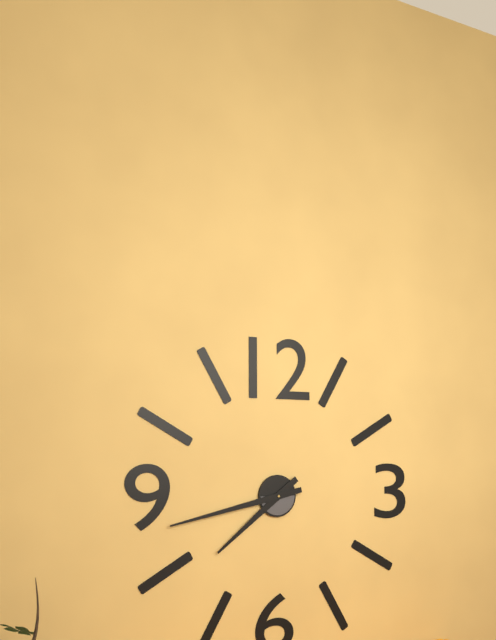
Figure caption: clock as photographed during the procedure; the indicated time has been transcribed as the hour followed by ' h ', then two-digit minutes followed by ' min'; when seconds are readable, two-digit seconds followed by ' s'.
7 h 43 min
